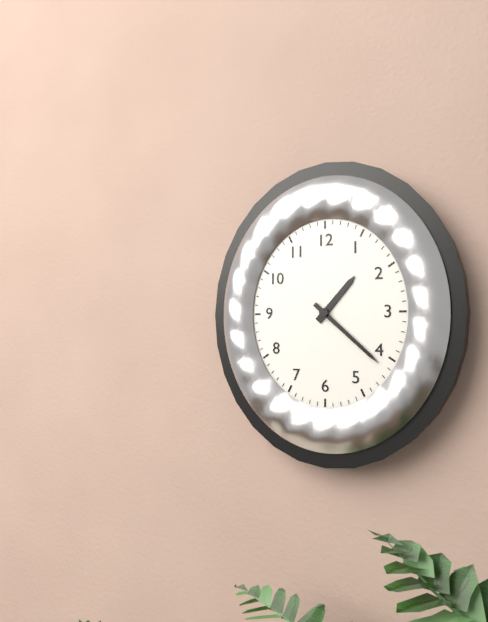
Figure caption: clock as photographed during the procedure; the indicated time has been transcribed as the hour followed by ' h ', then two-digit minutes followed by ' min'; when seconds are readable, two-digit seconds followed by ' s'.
1 h 22 min
